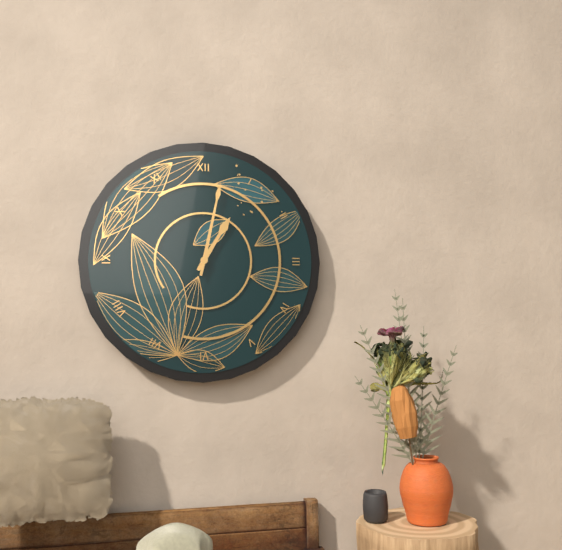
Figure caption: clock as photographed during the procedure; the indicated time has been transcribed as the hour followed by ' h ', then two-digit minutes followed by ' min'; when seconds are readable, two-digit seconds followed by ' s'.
1 h 02 min
